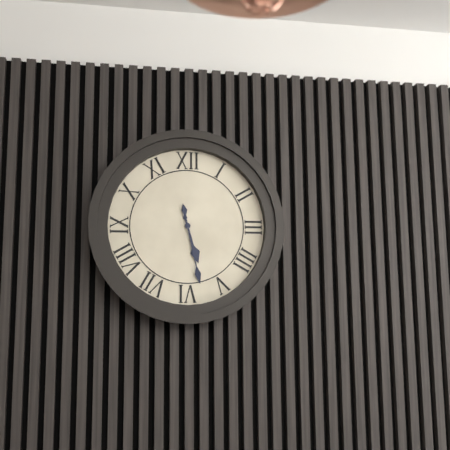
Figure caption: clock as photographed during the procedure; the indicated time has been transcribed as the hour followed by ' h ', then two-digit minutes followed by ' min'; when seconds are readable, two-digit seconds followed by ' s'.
5 h 28 min
